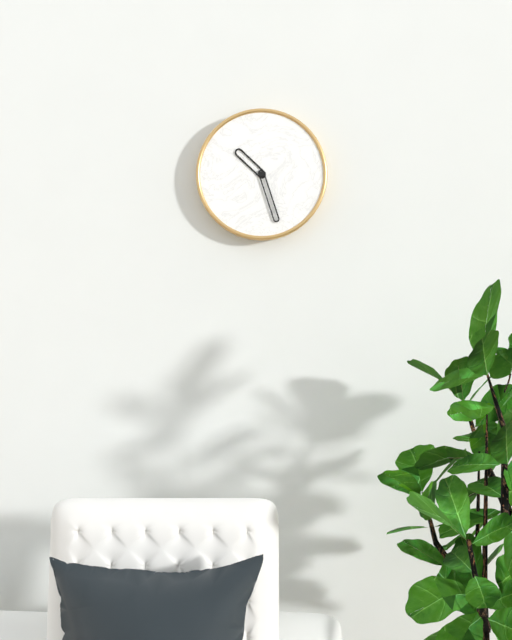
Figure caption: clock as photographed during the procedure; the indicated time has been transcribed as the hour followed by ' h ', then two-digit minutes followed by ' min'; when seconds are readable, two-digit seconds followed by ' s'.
10 h 27 min
